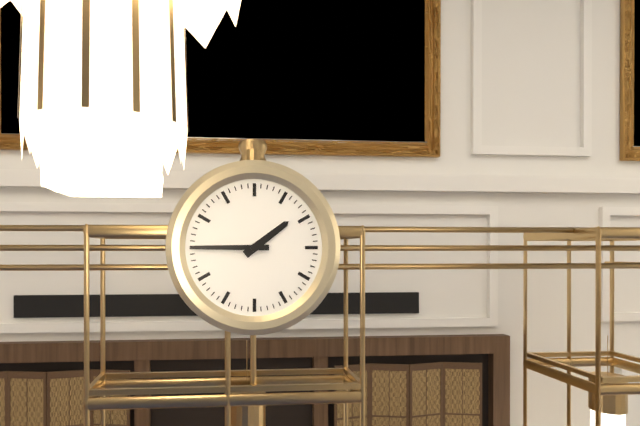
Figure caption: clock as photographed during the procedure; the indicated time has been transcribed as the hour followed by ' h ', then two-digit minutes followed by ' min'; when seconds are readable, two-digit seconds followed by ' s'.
1 h 45 min
